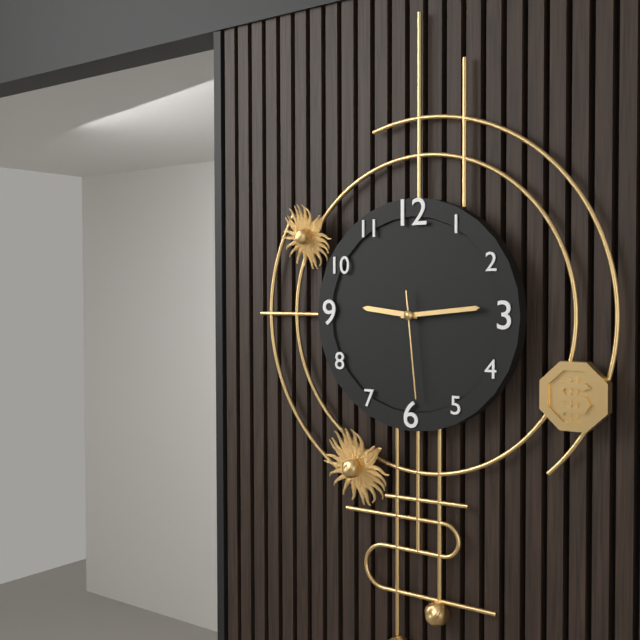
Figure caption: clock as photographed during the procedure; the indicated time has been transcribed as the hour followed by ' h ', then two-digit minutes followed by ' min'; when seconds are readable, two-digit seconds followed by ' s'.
9 h 14 min 29 s
